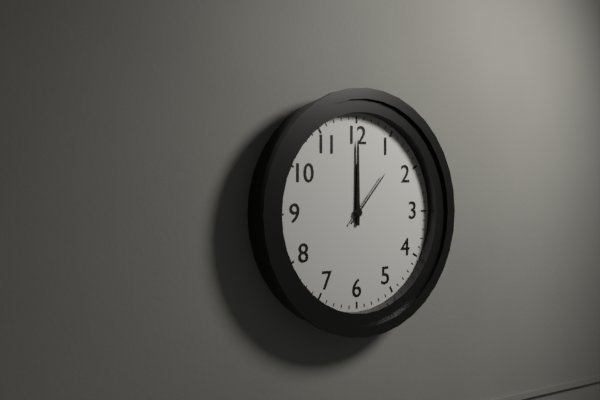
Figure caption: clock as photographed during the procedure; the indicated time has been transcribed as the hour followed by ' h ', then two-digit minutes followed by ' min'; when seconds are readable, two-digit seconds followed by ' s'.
12 h 00 min 07 s
